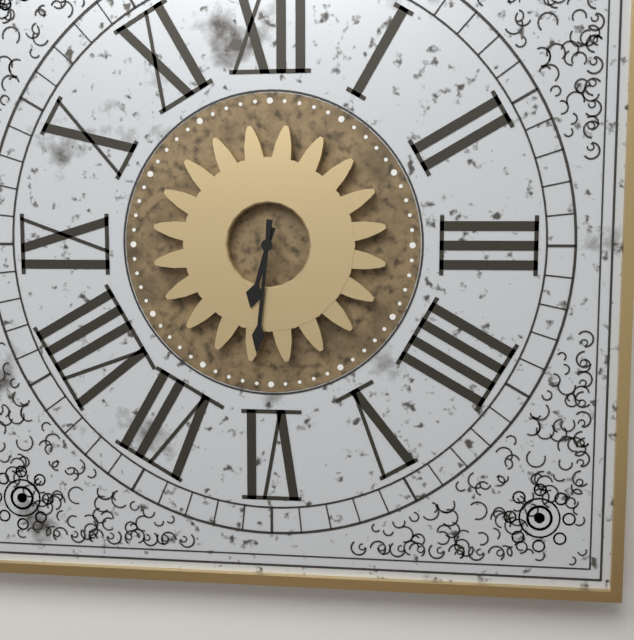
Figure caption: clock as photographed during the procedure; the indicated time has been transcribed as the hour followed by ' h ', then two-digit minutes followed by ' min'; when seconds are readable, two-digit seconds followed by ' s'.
6 h 31 min
